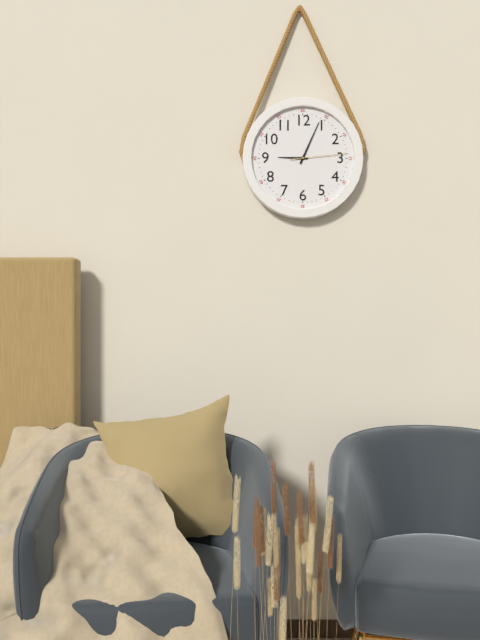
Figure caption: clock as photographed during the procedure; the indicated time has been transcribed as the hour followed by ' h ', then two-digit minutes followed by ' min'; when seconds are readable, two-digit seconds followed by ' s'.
9 h 04 min 14 s
